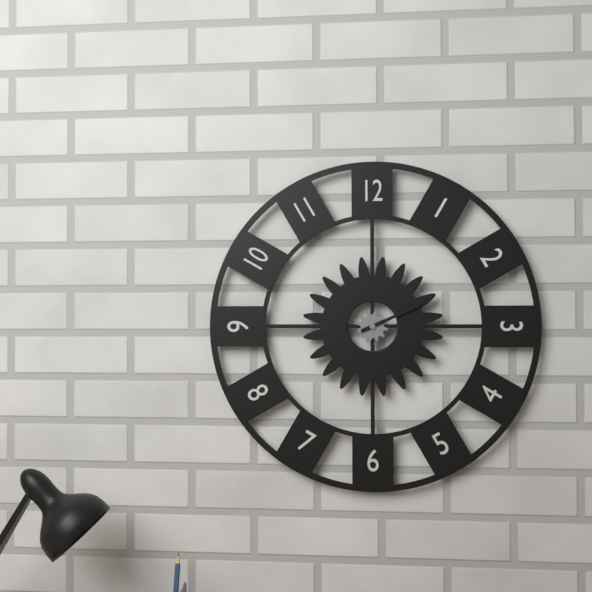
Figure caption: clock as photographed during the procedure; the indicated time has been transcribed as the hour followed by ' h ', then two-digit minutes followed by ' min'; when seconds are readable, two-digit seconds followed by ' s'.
2 h 11 min
